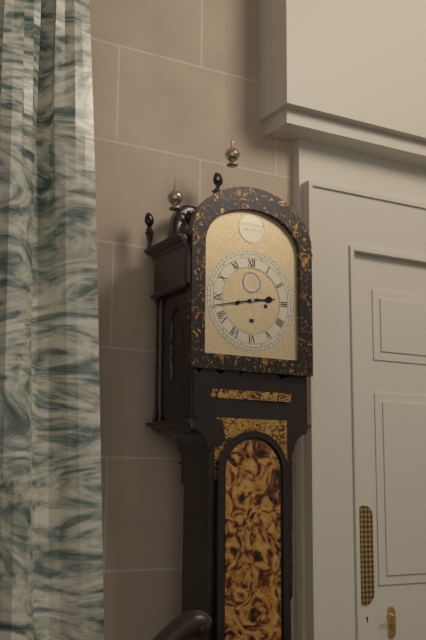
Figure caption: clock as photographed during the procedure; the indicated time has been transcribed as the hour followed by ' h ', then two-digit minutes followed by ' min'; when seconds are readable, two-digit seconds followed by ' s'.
2 h 43 min
